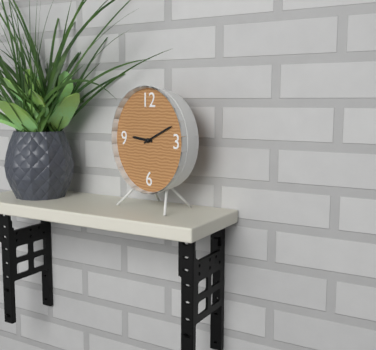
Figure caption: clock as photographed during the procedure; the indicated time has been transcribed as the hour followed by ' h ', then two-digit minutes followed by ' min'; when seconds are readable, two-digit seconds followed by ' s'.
9 h 11 min
